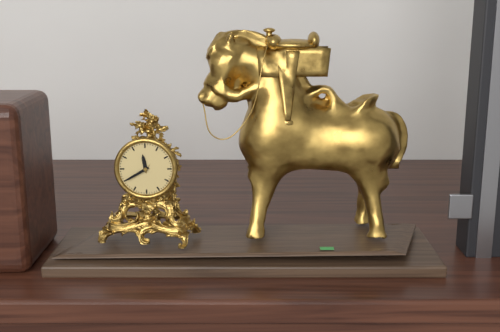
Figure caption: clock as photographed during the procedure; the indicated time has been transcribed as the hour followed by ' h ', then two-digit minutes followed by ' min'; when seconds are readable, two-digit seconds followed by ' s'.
11 h 40 min
